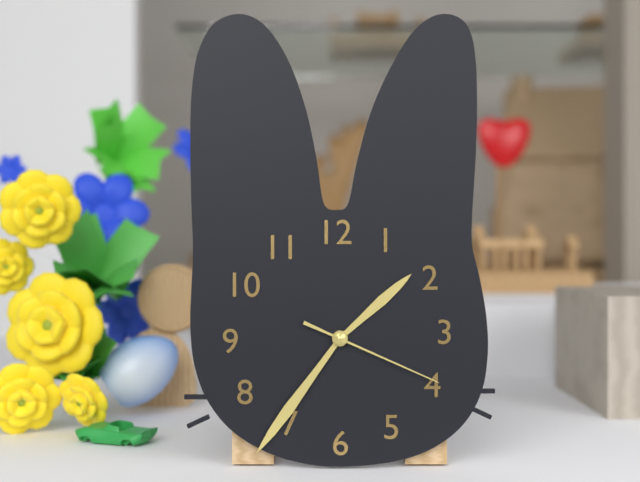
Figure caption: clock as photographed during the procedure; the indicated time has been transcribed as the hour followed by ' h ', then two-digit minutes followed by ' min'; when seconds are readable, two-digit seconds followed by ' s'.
1 h 36 min 19 s
